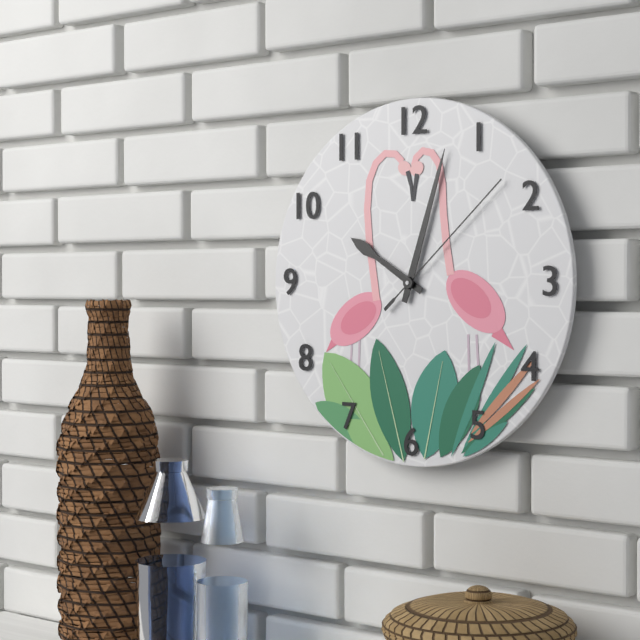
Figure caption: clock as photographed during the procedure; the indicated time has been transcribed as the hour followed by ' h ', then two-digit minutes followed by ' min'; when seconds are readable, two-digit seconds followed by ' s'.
10 h 03 min 08 s
